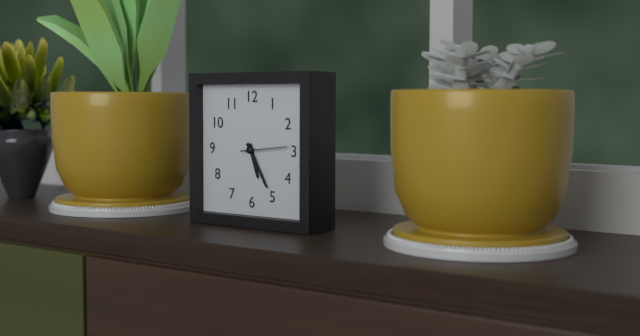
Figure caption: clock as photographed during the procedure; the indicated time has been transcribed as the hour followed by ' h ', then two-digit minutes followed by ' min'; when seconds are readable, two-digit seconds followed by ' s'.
5 h 25 min
